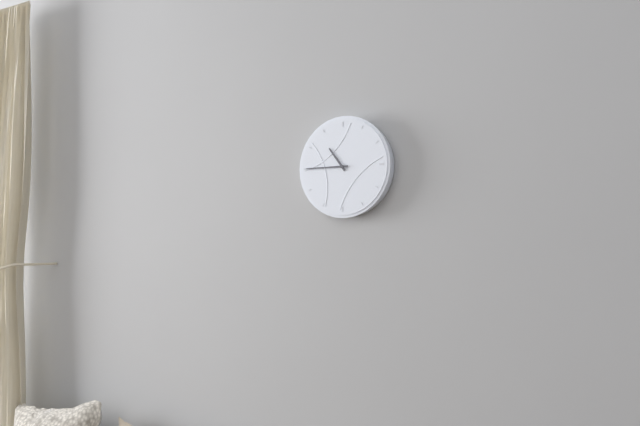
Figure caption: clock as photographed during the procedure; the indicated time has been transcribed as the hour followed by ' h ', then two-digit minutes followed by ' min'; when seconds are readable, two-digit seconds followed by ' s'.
10 h 45 min
